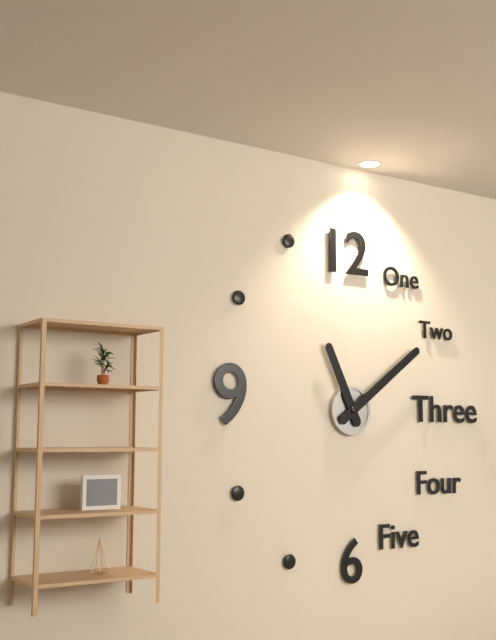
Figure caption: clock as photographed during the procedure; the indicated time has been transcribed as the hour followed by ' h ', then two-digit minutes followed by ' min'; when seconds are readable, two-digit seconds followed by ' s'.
11 h 09 min
